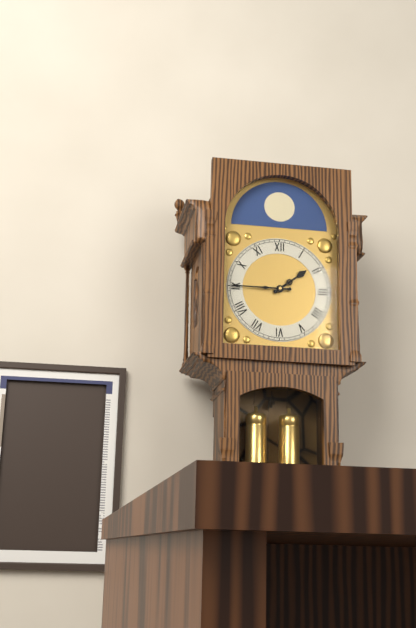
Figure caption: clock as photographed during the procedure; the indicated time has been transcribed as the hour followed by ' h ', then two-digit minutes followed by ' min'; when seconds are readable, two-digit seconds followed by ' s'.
1 h 45 min
